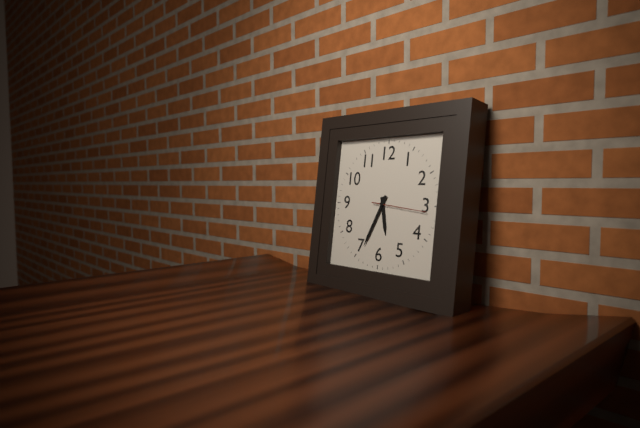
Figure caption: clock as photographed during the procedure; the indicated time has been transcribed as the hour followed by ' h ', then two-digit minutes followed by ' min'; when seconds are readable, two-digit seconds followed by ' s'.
5 h 34 min
